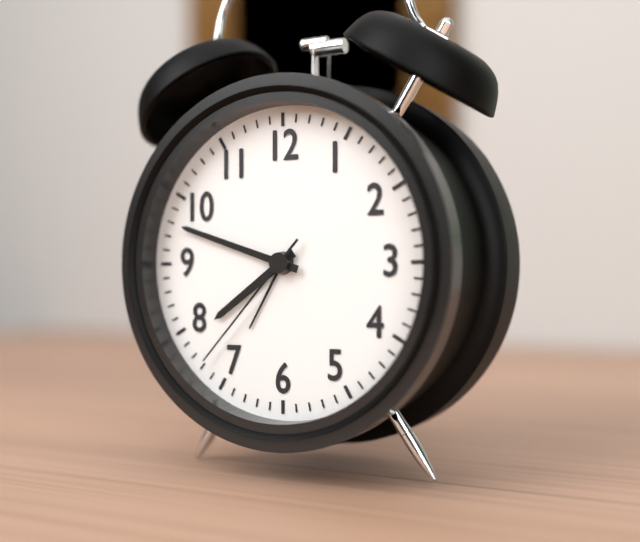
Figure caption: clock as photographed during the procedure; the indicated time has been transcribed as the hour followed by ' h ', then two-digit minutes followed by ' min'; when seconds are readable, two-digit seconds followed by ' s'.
7 h 48 min 37 s
